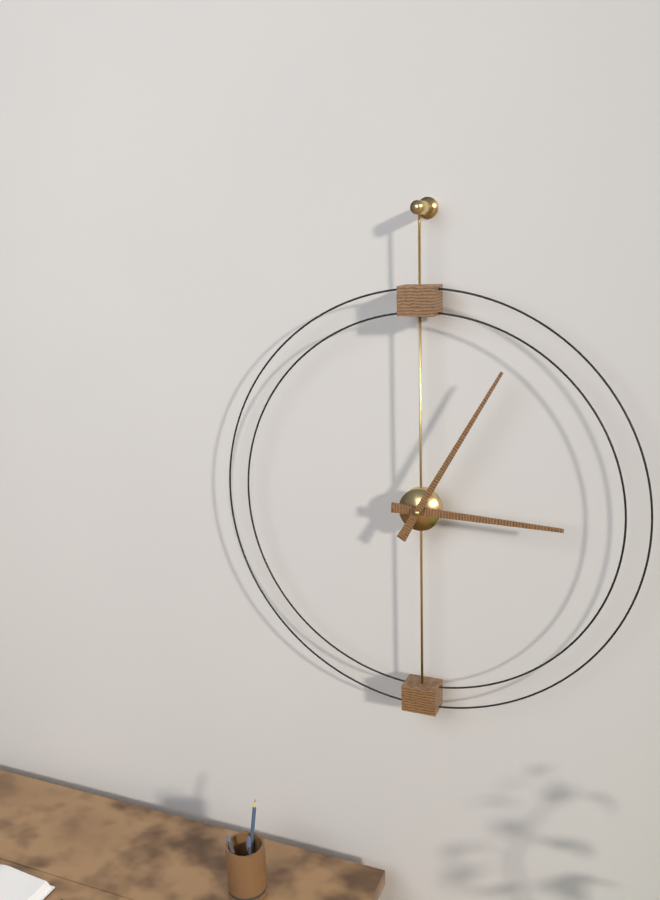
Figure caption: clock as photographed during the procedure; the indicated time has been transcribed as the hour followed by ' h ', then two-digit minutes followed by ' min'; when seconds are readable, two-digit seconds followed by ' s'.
3 h 05 min
